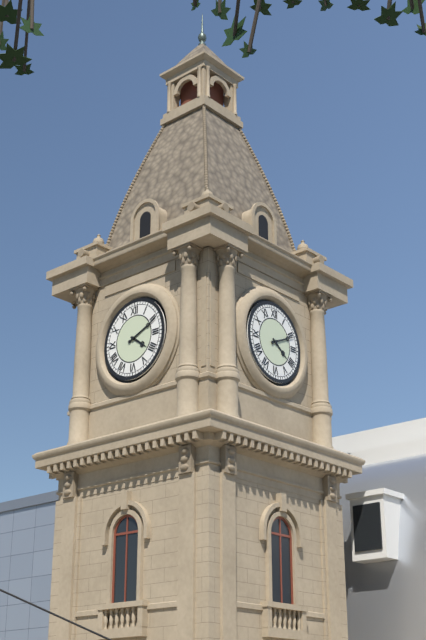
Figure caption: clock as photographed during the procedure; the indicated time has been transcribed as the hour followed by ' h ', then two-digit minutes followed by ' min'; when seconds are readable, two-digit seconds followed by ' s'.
4 h 11 min
